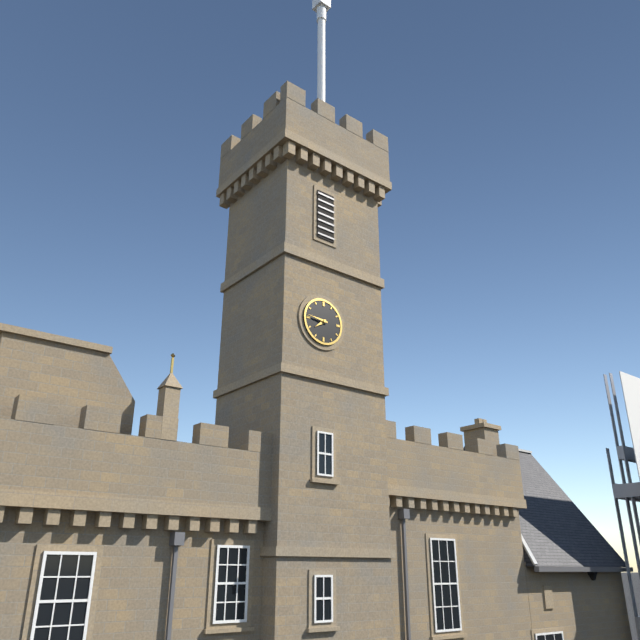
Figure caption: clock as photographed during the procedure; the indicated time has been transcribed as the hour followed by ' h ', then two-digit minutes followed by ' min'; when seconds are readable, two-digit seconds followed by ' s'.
7 h 46 min
